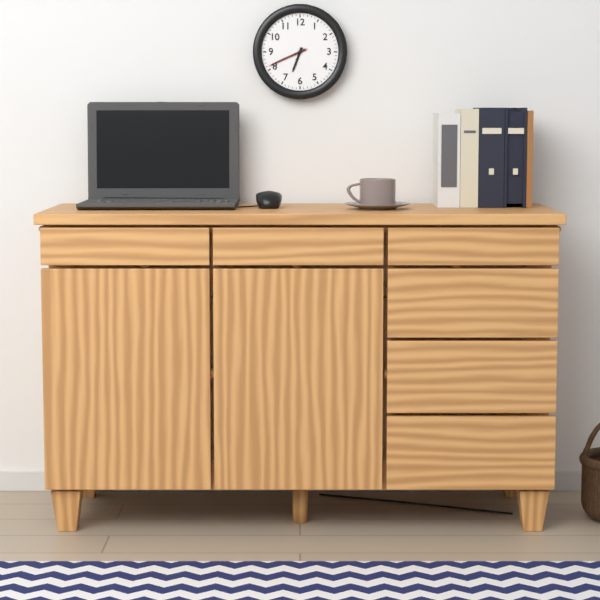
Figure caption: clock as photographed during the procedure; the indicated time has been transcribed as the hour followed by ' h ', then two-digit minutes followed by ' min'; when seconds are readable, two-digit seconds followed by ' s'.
6 h 41 min
